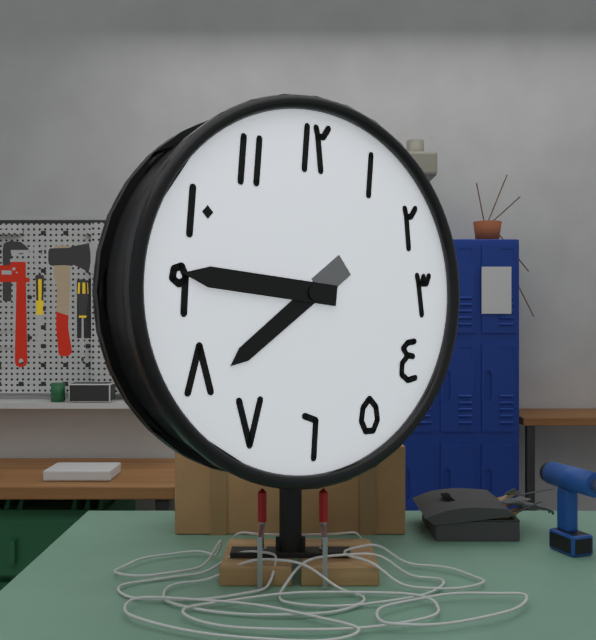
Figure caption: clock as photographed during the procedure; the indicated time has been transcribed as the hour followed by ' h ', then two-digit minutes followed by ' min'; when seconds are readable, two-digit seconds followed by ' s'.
7 h 46 min
